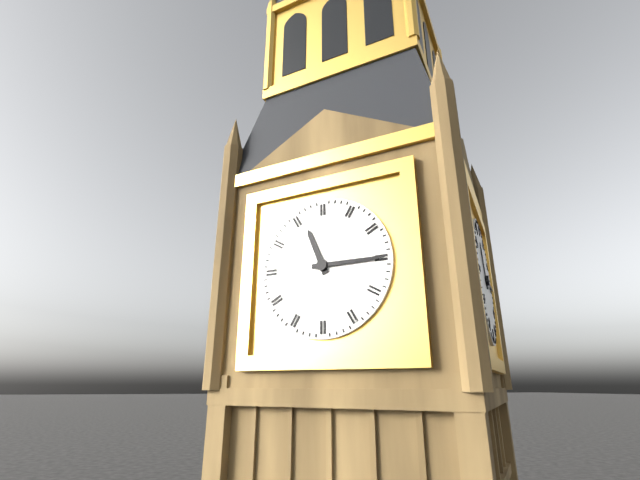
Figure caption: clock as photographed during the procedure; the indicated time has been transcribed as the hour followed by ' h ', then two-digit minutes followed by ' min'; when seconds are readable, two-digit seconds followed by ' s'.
11 h 15 min
